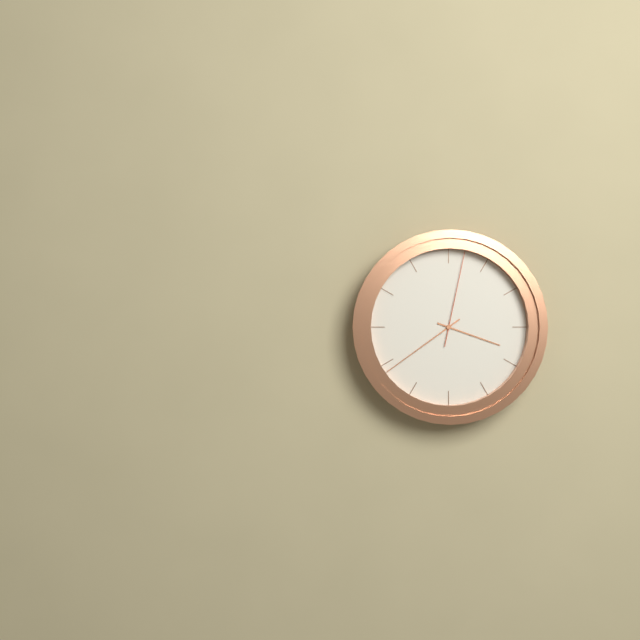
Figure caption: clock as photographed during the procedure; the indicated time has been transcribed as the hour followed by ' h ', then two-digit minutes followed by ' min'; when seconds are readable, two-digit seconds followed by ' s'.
3 h 39 min 02 s
